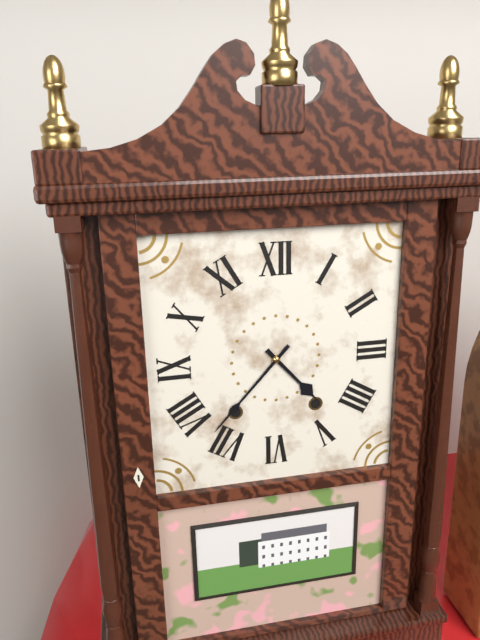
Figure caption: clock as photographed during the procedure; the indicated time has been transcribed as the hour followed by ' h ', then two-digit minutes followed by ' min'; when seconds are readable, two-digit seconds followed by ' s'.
4 h 37 min
